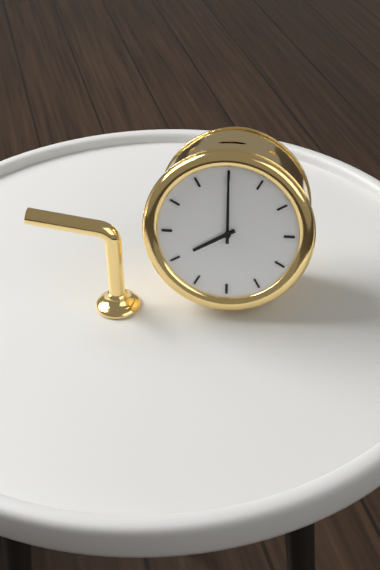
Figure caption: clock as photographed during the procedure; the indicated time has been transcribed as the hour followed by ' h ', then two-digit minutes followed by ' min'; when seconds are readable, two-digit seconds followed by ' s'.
8 h 00 min
